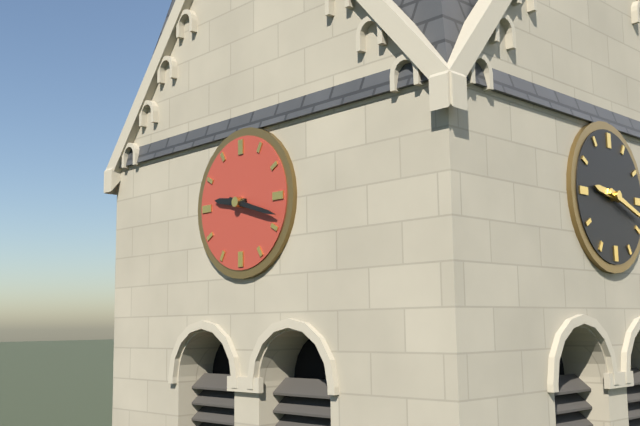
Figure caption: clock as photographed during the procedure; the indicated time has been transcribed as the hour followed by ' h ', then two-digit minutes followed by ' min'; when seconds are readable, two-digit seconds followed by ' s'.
9 h 18 min
